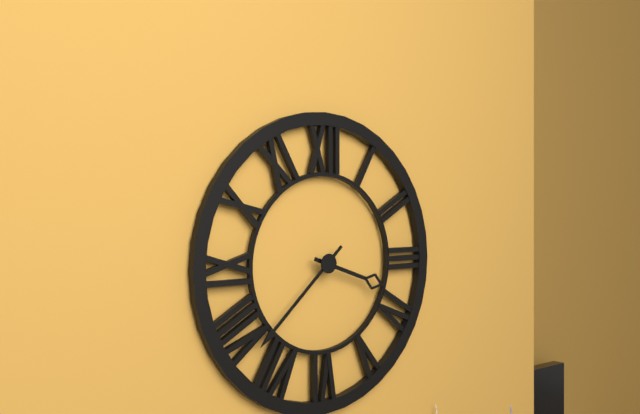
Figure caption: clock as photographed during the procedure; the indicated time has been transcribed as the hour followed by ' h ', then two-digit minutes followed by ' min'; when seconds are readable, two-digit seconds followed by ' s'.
3 h 38 min
